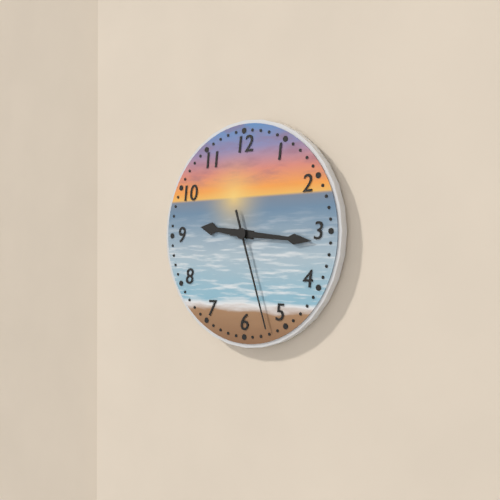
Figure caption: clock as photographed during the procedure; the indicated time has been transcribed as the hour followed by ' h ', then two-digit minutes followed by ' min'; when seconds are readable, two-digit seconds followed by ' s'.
9 h 16 min 27 s
